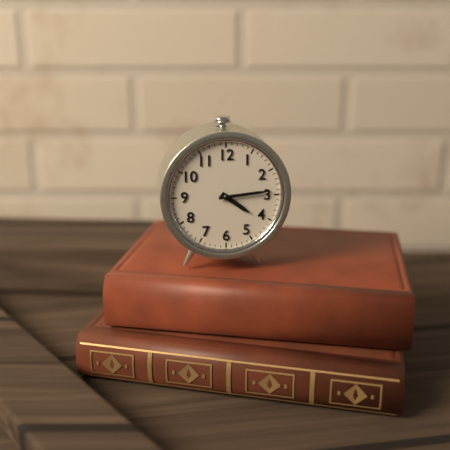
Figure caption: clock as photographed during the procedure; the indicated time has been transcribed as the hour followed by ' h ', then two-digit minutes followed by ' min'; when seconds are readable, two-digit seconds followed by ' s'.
4 h 14 min
